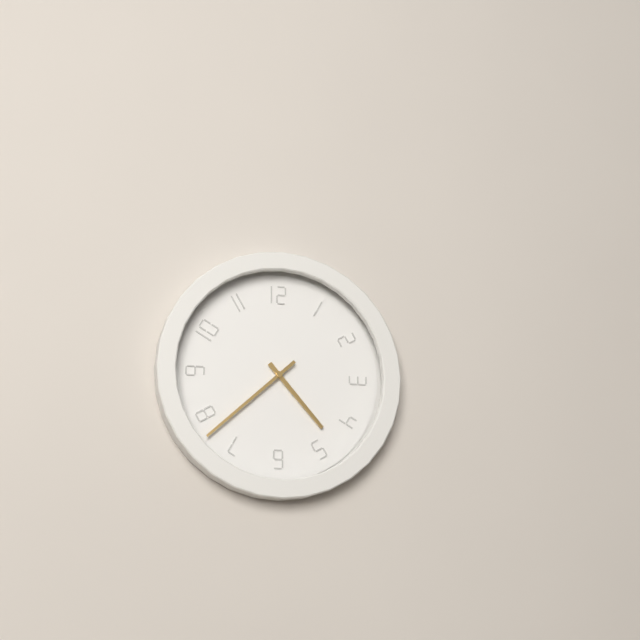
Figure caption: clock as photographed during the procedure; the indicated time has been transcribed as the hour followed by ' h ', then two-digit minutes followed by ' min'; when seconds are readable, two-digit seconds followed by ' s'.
4 h 38 min
